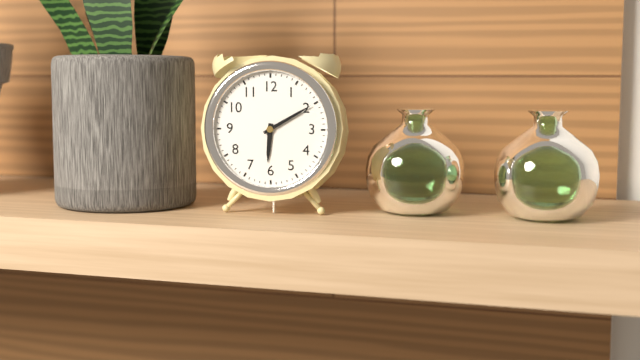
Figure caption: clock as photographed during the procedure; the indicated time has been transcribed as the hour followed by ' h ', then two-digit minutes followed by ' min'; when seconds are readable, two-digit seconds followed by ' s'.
6 h 10 min
